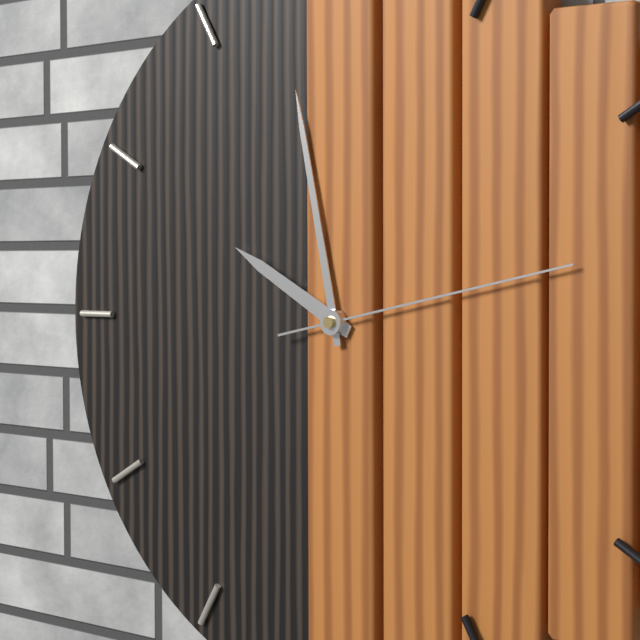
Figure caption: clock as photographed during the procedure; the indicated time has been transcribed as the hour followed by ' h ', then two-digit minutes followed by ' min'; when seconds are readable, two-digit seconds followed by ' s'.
9 h 58 min 13 s
